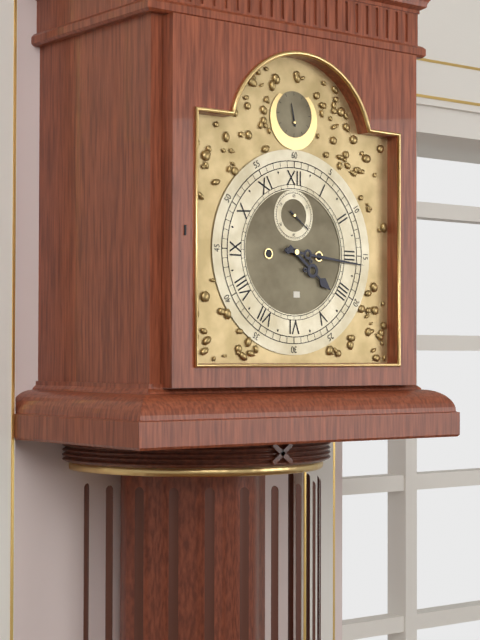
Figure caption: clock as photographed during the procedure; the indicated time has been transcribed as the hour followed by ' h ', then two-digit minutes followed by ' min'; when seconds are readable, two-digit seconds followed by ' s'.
4 h 16 min
